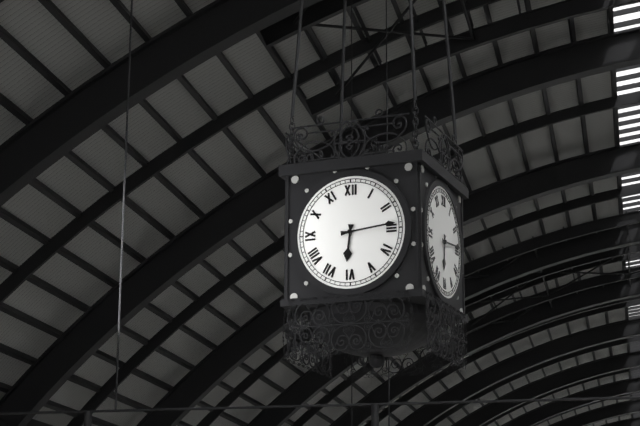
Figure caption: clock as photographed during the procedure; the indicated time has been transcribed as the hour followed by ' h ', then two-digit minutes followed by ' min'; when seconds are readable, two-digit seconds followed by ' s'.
6 h 14 min
